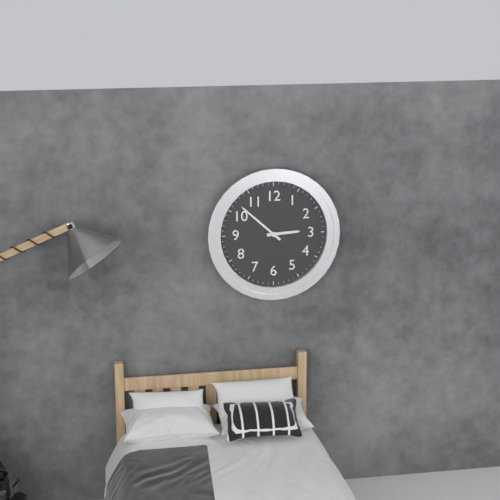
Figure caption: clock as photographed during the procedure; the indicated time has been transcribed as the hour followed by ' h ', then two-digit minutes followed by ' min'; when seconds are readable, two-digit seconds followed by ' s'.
2 h 52 min
